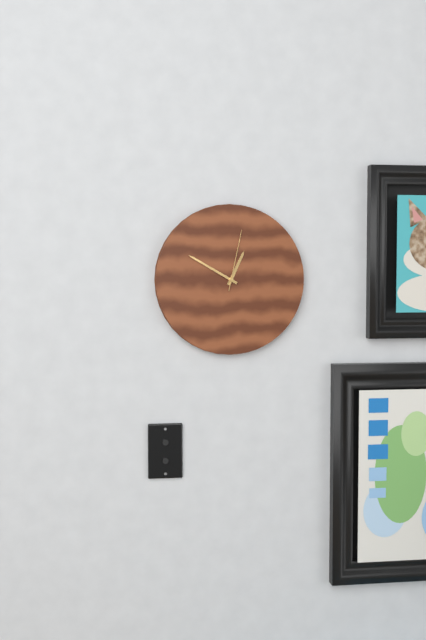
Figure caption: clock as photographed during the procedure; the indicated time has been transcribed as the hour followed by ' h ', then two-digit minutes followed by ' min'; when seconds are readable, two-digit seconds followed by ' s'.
12 h 50 min 02 s
